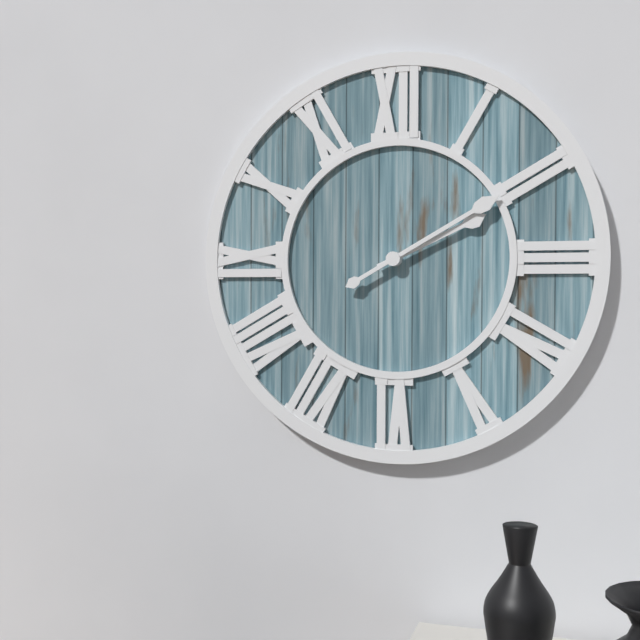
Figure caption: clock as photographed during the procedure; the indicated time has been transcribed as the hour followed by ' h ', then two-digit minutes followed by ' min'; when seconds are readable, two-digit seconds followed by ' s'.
2 h 10 min
